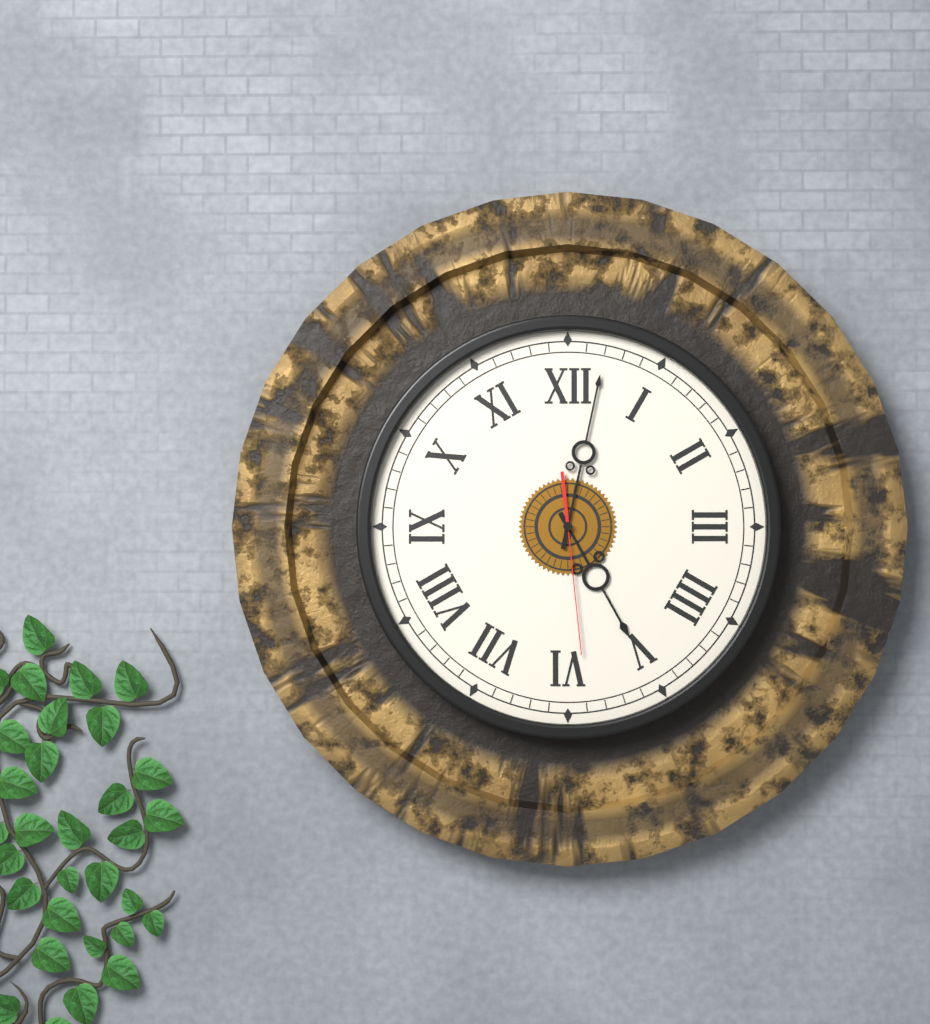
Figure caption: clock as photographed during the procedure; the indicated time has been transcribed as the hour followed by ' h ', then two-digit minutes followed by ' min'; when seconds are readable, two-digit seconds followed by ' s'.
5 h 02 min 29 s
